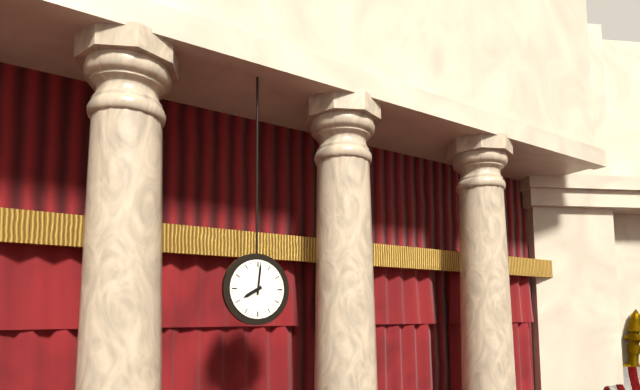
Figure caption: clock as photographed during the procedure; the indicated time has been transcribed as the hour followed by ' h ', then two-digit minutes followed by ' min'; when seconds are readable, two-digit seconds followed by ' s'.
8 h 01 min
